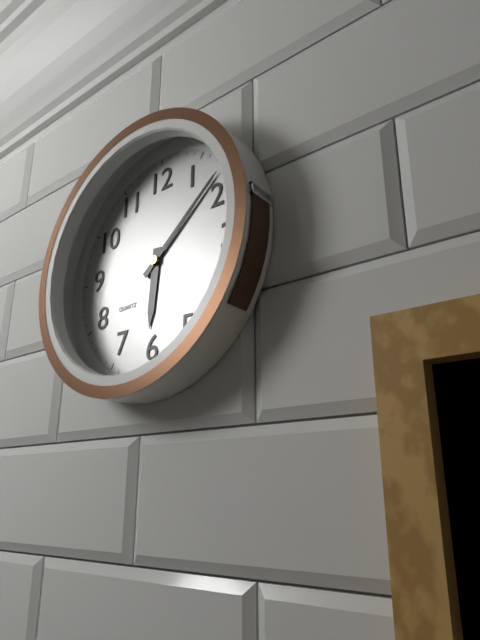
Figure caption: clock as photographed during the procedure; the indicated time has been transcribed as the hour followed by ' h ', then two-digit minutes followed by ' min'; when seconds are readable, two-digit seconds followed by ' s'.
6 h 08 min
